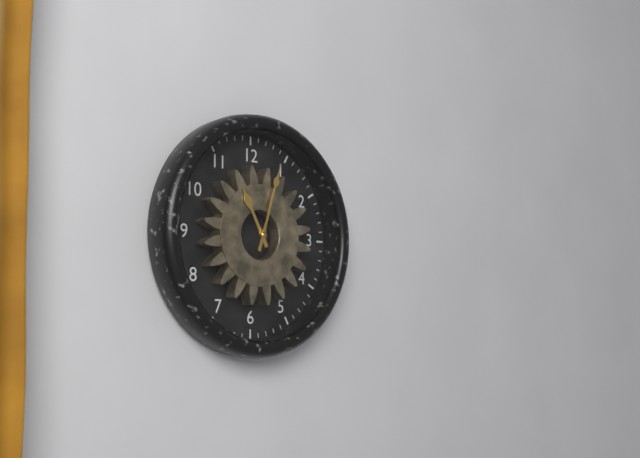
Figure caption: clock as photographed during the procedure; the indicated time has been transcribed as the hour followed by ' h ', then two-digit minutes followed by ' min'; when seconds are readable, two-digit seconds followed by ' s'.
11 h 03 min
